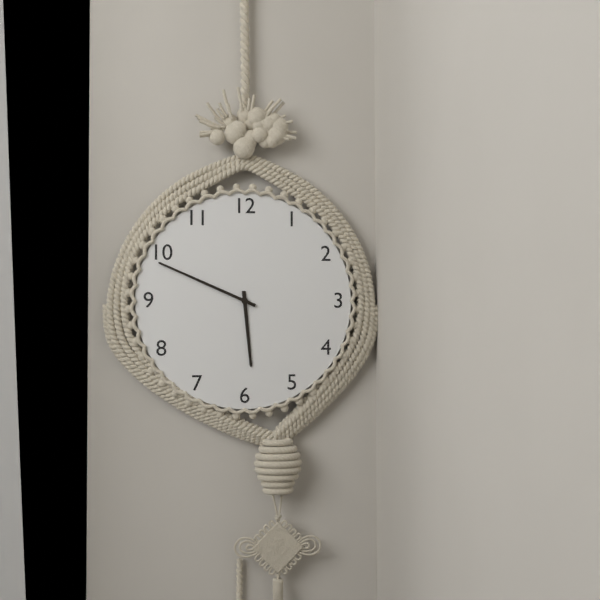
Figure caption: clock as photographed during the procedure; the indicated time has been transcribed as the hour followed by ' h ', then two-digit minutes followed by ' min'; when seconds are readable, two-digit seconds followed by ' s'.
5 h 49 min
